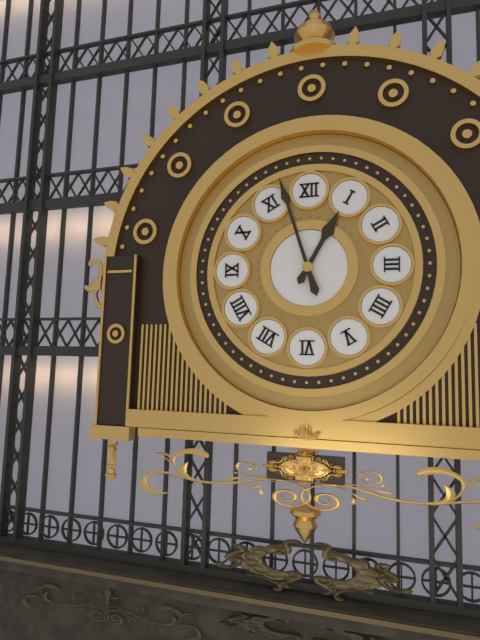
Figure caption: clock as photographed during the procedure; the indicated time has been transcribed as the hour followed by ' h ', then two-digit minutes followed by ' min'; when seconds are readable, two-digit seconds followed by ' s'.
12 h 57 min
